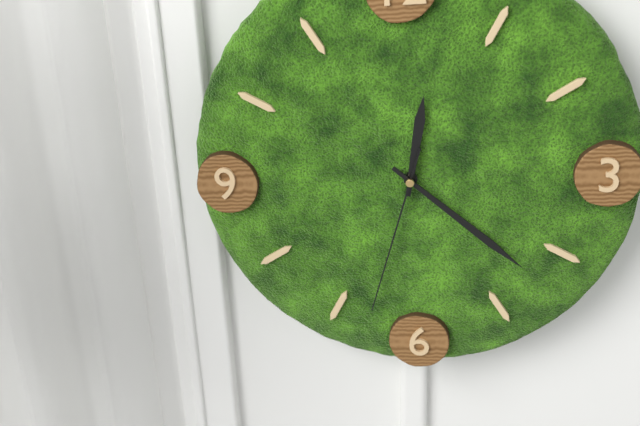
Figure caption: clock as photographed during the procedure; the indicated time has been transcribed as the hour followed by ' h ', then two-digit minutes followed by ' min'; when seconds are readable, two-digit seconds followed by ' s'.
12 h 22 min 33 s
